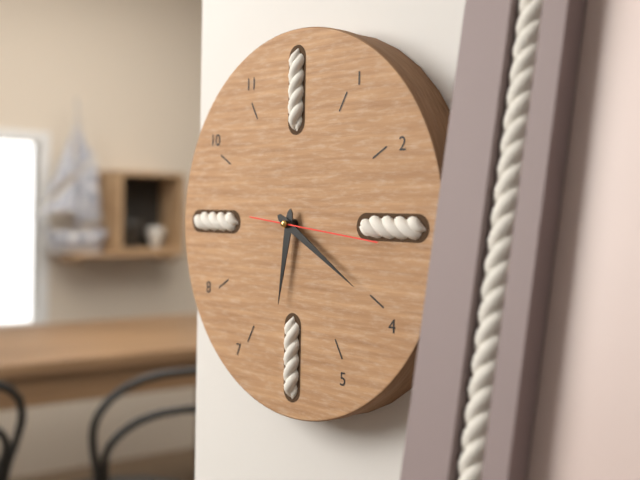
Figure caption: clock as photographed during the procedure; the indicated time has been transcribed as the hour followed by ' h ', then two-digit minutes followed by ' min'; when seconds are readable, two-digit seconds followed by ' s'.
6 h 20 min 16 s
